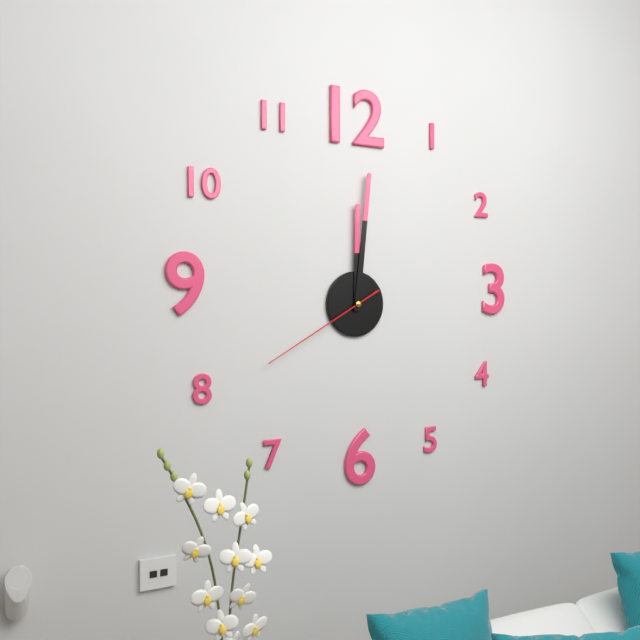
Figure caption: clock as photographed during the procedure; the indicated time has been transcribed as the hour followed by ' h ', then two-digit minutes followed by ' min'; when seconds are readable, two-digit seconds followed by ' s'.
12 h 01 min 40 s
